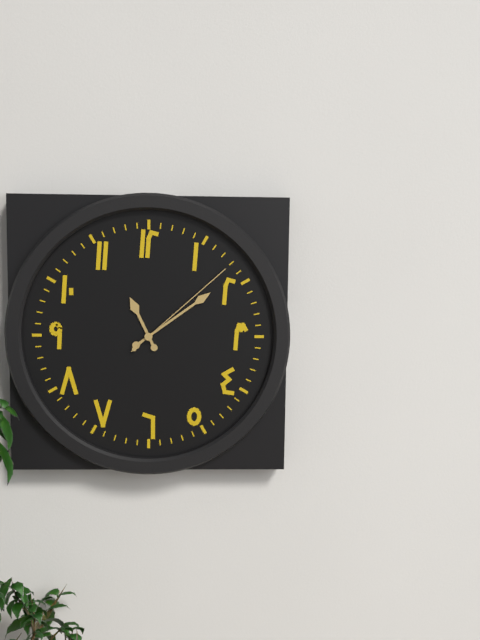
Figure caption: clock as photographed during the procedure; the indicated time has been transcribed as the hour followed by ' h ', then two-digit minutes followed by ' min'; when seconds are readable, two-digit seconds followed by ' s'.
11 h 09 min 08 s
